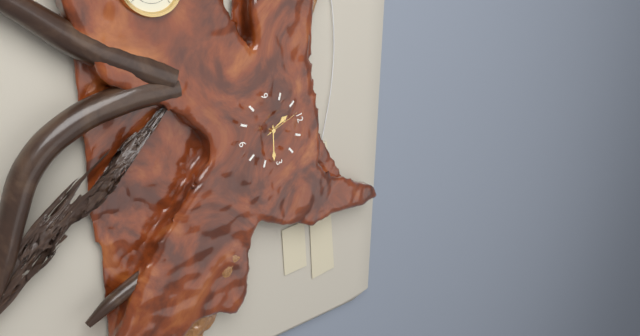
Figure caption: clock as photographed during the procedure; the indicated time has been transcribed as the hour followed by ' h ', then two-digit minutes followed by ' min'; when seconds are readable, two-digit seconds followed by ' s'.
11 h 17 min
